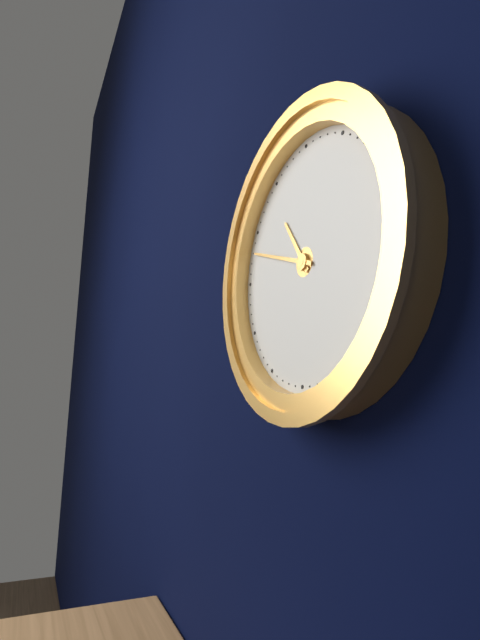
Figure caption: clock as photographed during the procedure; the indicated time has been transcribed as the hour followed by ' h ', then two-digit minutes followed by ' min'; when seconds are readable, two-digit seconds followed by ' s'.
10 h 48 min
